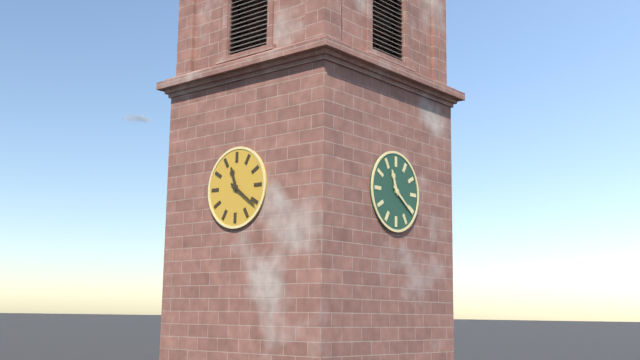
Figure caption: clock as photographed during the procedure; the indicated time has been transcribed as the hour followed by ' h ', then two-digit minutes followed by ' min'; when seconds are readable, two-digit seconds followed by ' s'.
11 h 21 min
